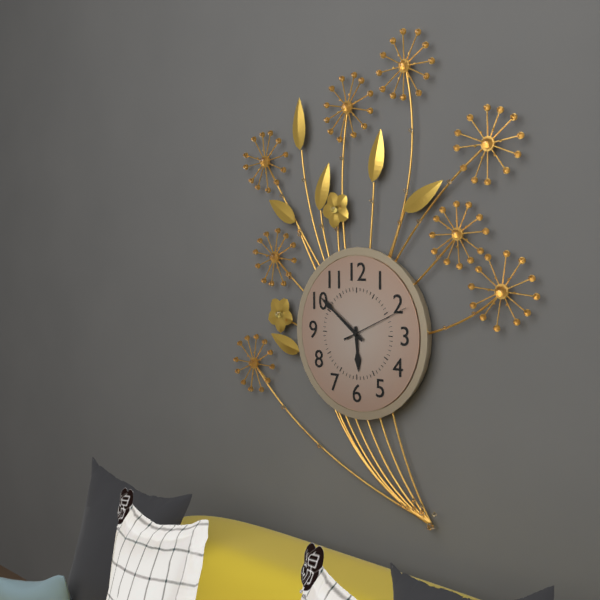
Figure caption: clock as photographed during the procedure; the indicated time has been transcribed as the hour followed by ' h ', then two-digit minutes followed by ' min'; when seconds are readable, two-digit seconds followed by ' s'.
5 h 51 min 11 s
